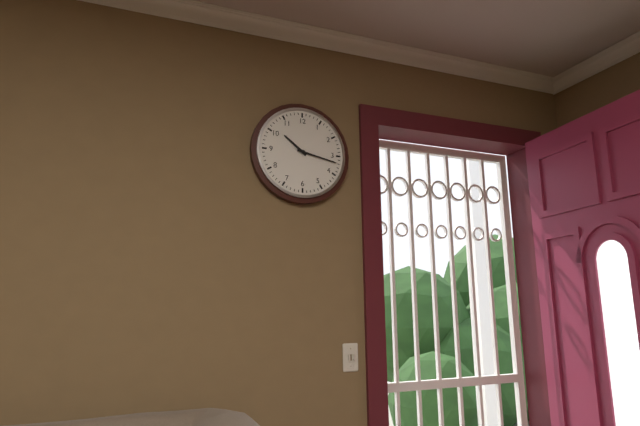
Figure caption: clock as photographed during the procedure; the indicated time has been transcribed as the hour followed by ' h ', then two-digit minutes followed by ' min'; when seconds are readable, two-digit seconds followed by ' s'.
10 h 17 min
